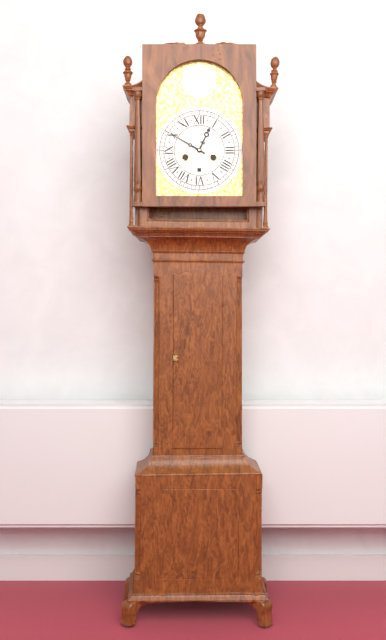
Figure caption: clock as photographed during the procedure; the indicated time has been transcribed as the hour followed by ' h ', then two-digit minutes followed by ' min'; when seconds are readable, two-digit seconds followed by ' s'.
12 h 50 min
